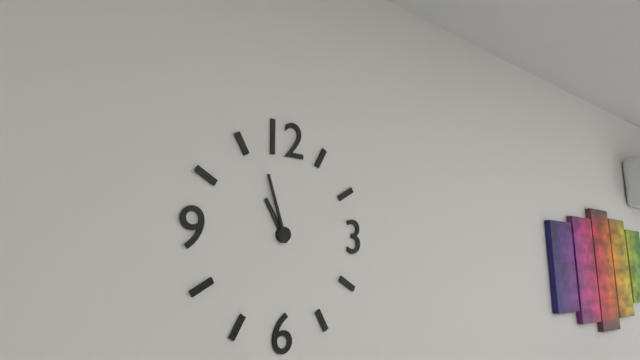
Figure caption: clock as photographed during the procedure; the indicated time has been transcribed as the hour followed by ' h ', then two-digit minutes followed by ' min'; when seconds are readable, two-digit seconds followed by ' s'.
10 h 57 min
